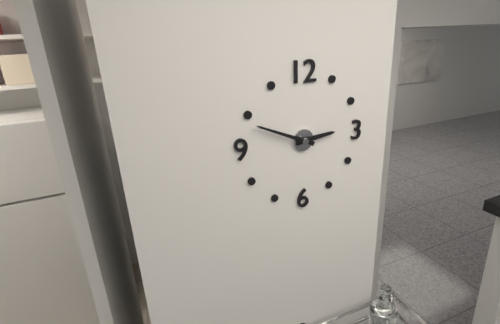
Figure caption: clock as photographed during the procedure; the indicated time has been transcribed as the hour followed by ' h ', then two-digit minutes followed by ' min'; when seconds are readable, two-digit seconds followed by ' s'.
2 h 49 min
